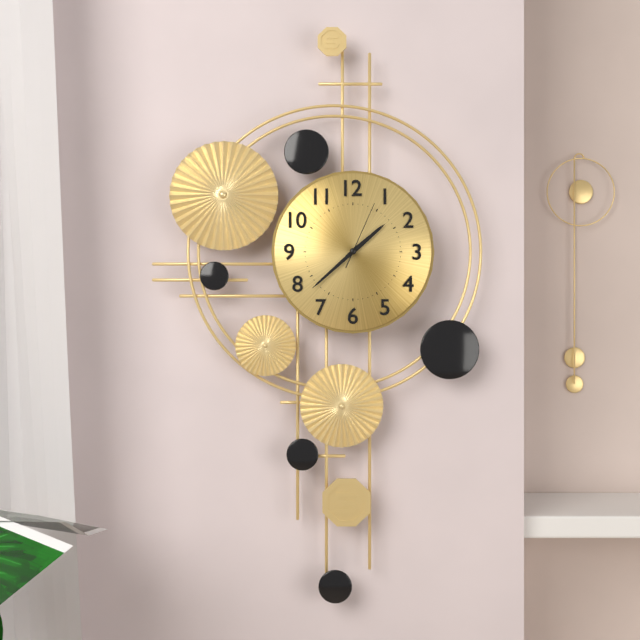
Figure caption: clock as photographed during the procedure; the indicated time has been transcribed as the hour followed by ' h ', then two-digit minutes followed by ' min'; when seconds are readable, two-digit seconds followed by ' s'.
1 h 38 min 04 s
